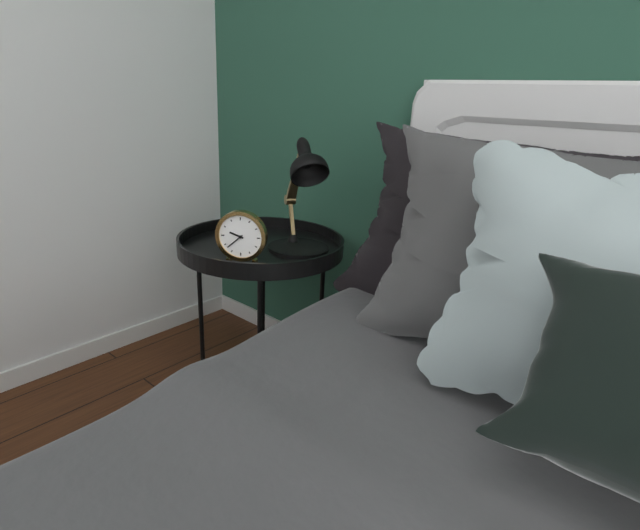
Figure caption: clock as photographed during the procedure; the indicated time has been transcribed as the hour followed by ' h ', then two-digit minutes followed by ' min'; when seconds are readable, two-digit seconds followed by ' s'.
9 h 38 min
